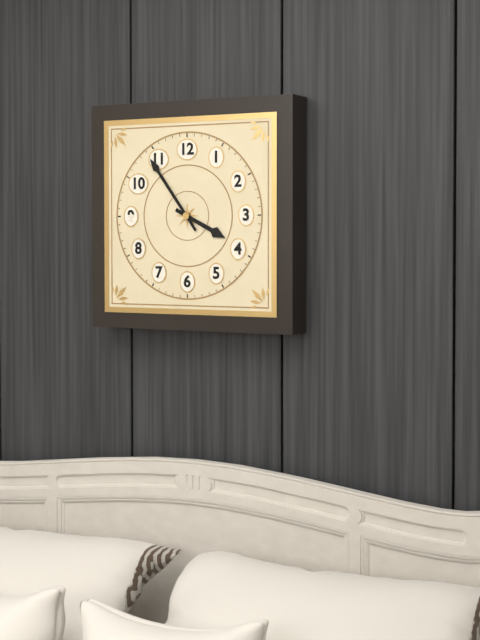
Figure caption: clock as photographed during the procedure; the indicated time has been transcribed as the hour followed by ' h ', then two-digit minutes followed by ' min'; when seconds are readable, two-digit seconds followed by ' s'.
3 h 54 min
